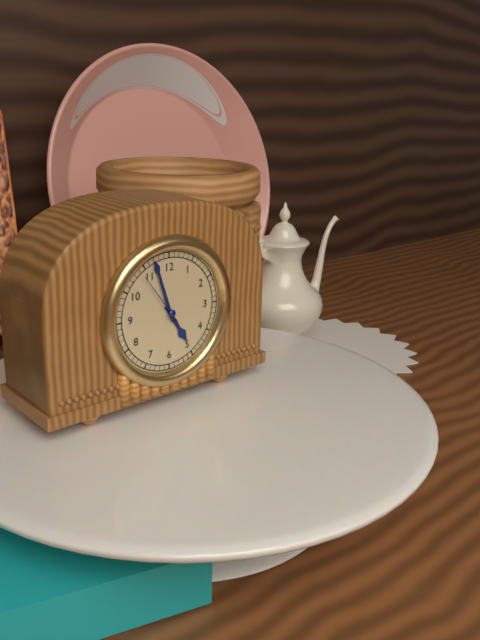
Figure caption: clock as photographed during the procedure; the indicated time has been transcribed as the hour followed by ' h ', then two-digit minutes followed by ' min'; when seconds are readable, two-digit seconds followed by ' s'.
4 h 57 min 54 s
